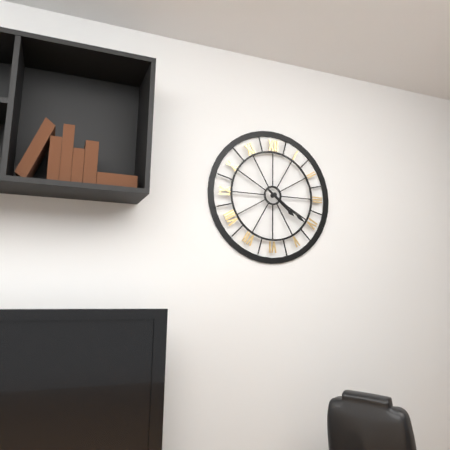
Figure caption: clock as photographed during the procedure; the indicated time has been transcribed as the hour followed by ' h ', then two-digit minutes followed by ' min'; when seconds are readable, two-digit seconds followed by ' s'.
4 h 21 min
